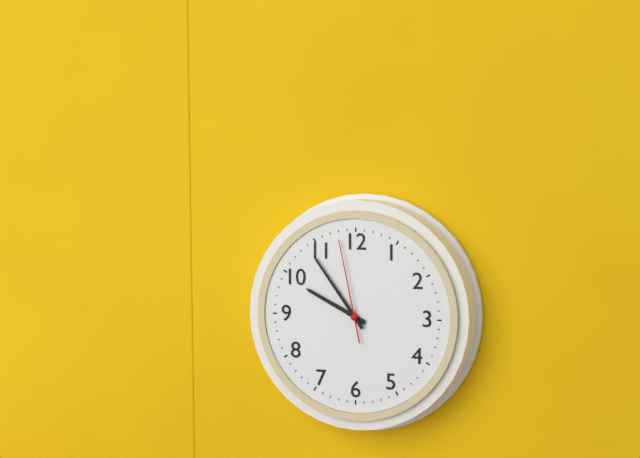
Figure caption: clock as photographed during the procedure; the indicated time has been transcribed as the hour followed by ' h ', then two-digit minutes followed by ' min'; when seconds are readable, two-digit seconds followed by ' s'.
9 h 54 min 58 s
